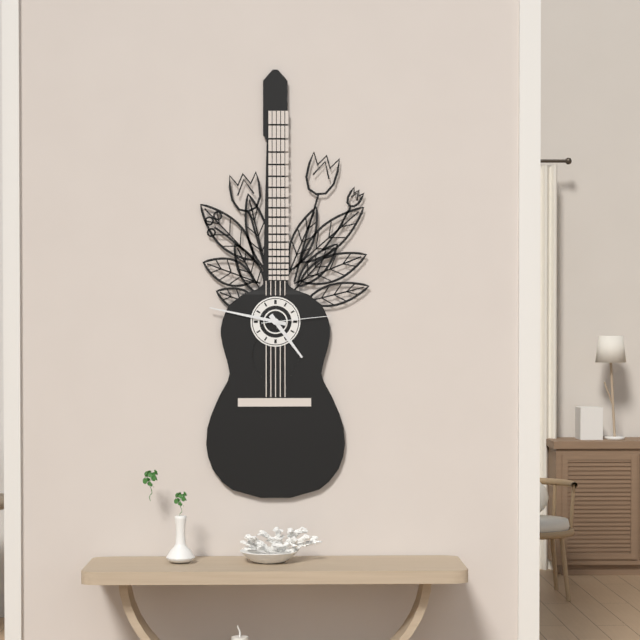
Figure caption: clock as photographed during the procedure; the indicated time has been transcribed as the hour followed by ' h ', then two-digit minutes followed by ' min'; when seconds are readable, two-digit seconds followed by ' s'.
4 h 47 min 14 s
